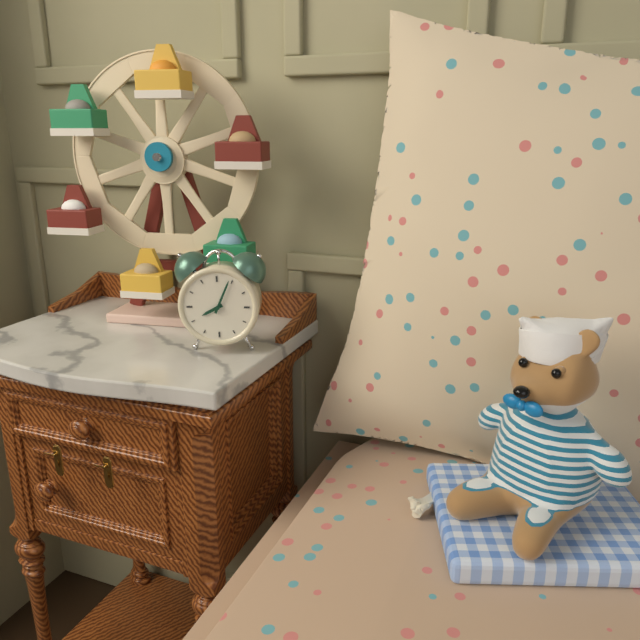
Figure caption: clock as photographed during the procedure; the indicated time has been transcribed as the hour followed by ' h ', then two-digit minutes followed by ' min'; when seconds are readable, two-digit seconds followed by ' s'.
8 h 04 min
